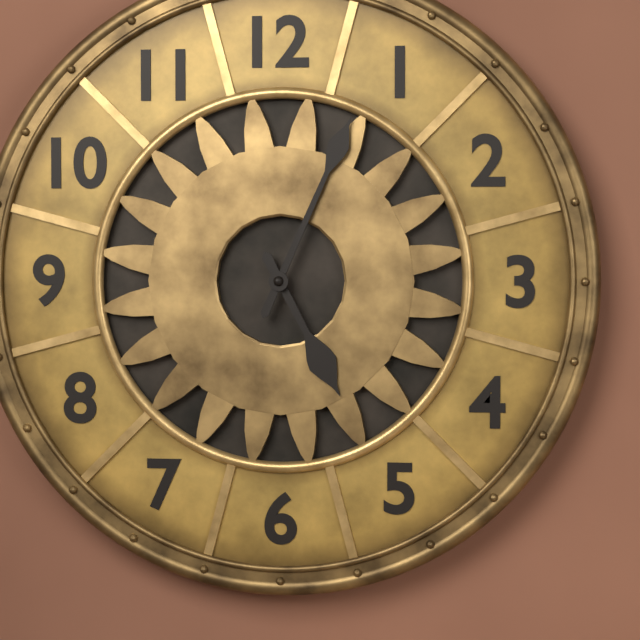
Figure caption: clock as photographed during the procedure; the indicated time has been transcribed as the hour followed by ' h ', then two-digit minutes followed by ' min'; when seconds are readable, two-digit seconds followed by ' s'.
5 h 04 min
